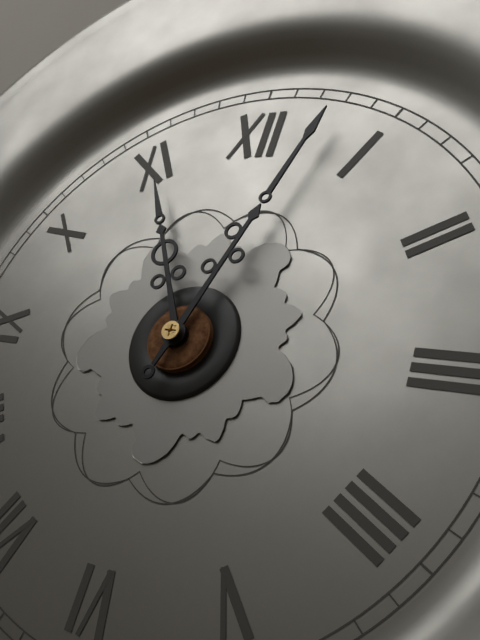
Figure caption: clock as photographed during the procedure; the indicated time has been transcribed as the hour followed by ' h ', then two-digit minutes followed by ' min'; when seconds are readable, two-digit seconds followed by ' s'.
11 h 03 min
